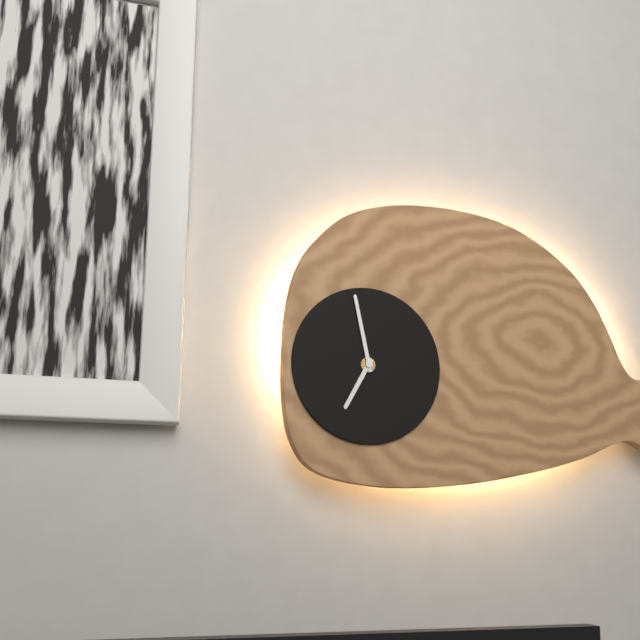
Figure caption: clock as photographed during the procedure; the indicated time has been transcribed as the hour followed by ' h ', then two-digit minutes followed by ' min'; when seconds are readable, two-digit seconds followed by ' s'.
6 h 58 min
